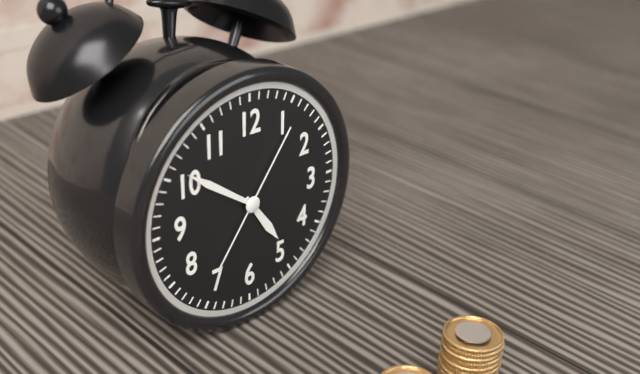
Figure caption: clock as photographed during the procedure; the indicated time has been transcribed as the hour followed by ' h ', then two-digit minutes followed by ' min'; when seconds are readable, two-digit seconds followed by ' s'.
4 h 51 min 06 s
